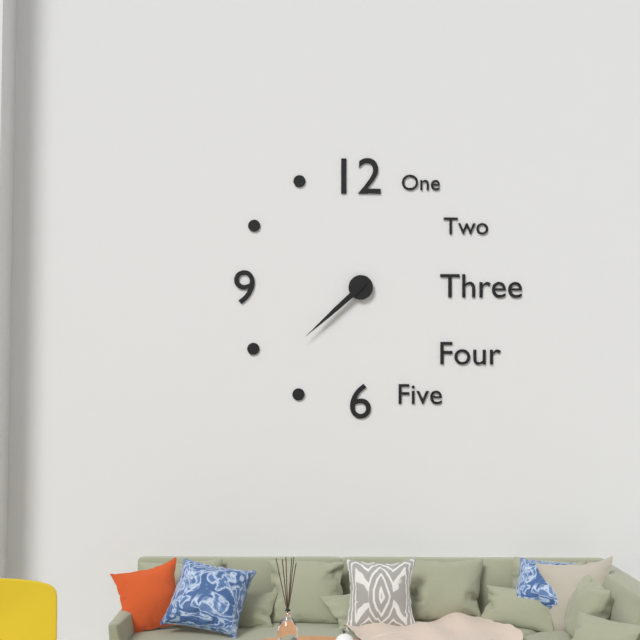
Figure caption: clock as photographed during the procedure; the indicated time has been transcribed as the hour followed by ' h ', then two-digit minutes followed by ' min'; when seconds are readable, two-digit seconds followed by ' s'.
7 h 38 min
